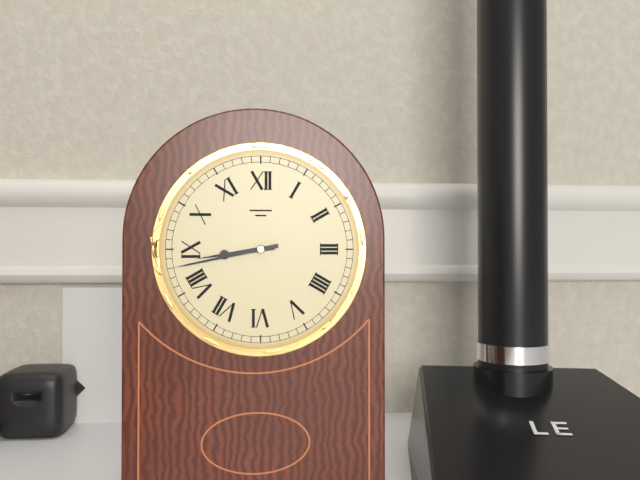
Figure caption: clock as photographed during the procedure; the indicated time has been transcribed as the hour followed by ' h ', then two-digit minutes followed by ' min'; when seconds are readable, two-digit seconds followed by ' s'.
8 h 43 min
